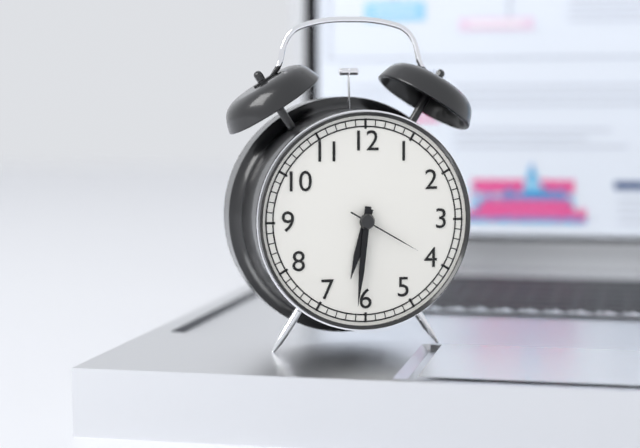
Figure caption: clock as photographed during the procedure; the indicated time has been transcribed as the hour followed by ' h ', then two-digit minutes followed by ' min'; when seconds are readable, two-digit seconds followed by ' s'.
6 h 31 min 20 s
